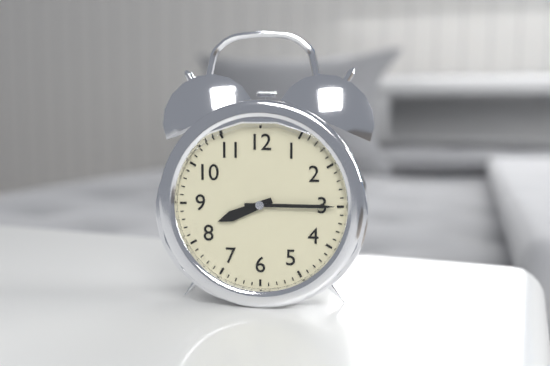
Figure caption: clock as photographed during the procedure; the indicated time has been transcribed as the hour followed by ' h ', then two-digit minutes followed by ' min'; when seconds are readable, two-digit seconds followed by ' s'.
8 h 15 min
